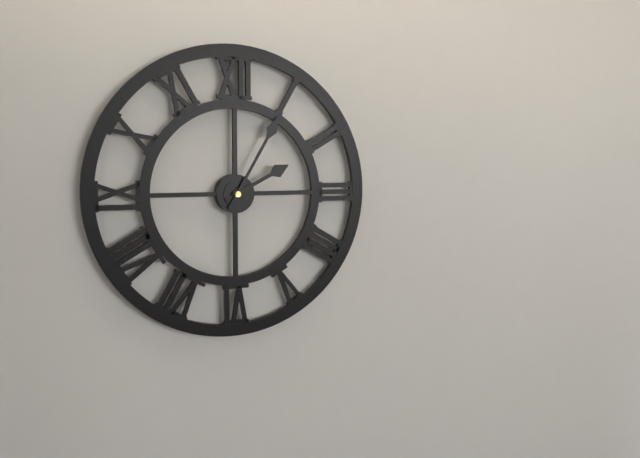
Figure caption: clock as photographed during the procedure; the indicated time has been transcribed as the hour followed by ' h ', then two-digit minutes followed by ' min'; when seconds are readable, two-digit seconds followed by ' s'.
2 h 05 min
